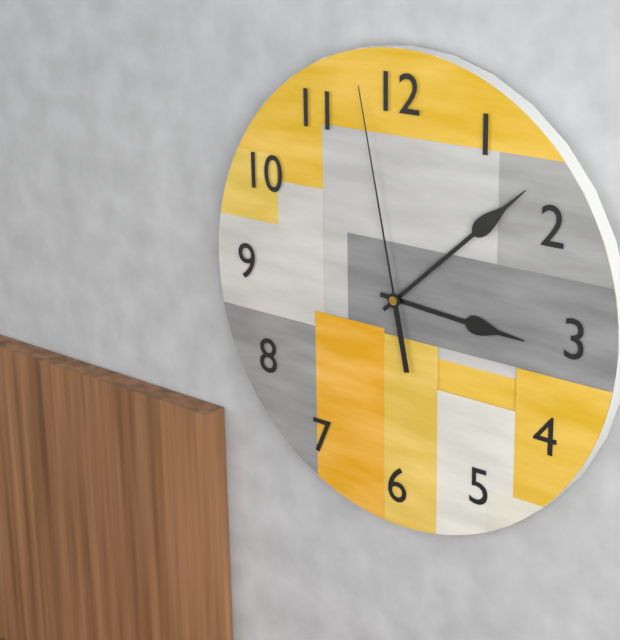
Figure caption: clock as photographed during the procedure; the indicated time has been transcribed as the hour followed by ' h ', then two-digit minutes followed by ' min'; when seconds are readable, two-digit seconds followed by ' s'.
3 h 08 min 58 s
